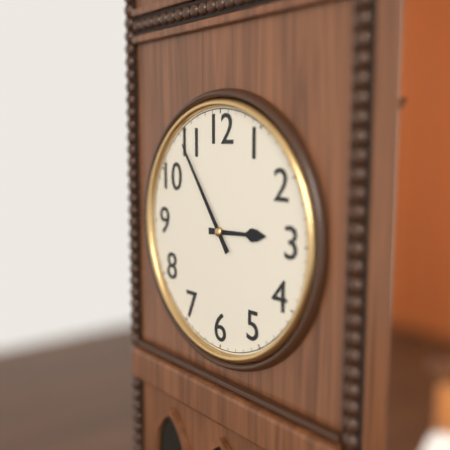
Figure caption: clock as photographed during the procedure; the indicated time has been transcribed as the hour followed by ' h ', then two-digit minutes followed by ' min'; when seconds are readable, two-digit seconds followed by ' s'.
2 h 54 min
